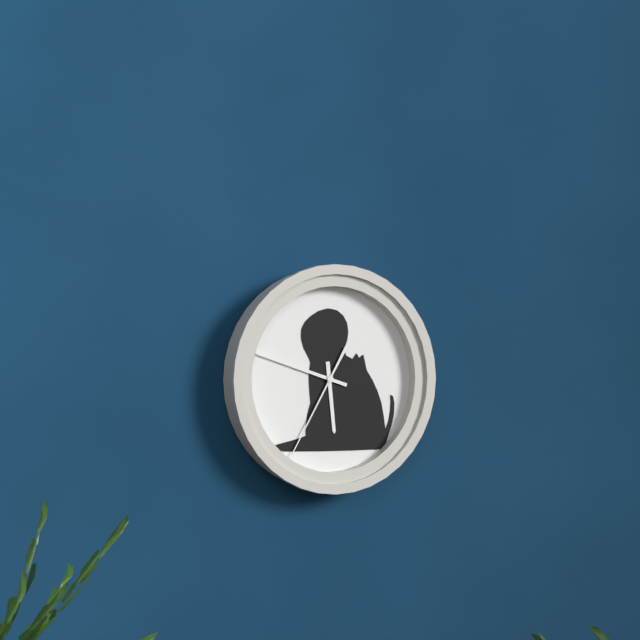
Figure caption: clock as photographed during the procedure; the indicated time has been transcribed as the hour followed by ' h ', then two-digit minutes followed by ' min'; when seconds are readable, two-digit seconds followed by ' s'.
5 h 48 min 35 s
